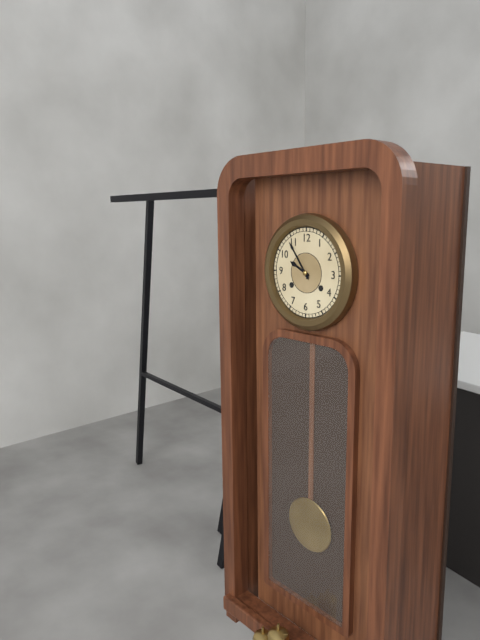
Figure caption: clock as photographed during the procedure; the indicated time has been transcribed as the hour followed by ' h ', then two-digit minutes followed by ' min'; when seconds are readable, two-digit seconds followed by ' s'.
9 h 54 min
